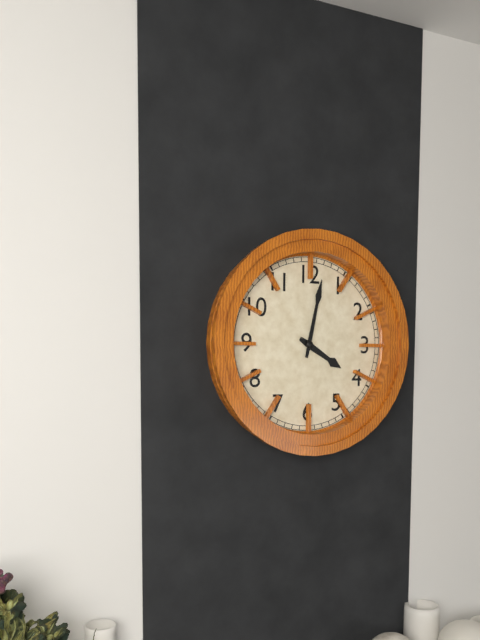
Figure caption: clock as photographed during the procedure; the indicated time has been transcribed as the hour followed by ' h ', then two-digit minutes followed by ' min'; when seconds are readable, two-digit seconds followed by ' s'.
4 h 02 min
